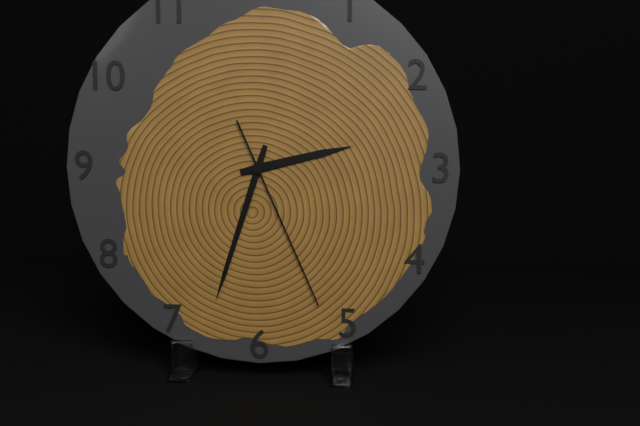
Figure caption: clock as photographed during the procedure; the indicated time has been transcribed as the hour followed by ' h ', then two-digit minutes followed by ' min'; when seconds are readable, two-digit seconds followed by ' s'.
2 h 33 min 26 s
